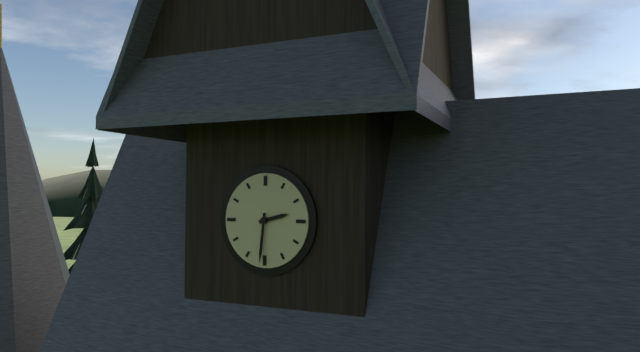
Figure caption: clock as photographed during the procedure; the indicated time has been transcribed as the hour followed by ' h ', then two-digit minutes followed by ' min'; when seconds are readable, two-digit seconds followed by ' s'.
2 h 31 min
